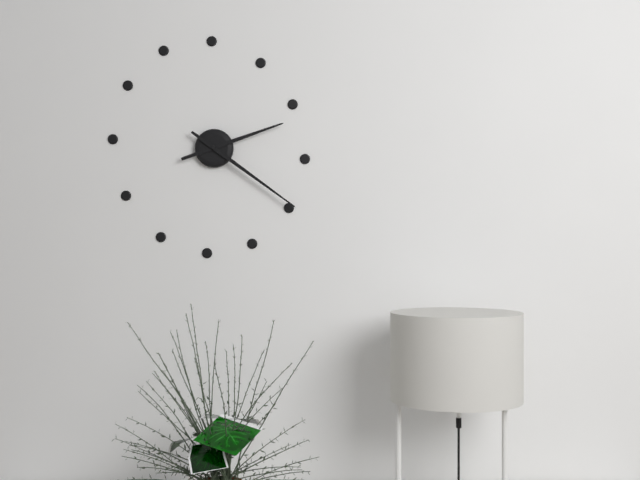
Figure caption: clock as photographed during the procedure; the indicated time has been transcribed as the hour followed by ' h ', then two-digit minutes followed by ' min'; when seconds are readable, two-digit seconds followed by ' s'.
2 h 21 min
